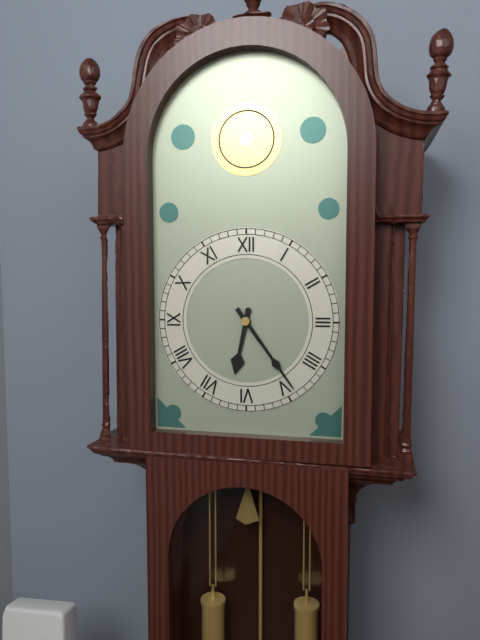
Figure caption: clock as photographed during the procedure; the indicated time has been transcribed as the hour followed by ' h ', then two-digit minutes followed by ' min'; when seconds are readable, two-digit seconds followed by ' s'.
6 h 24 min
